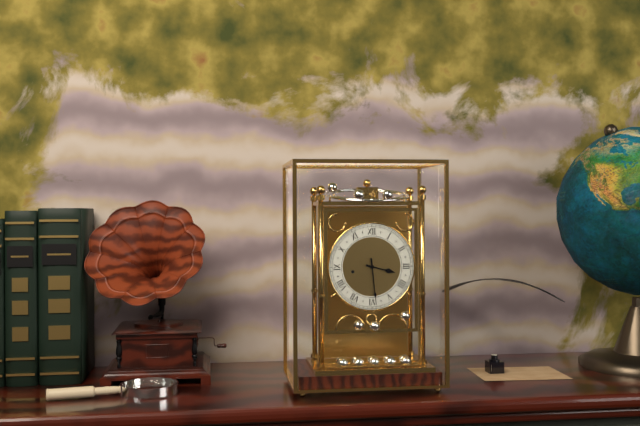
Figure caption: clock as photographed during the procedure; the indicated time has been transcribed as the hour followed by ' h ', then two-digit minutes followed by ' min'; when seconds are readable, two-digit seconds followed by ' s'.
3 h 29 min
